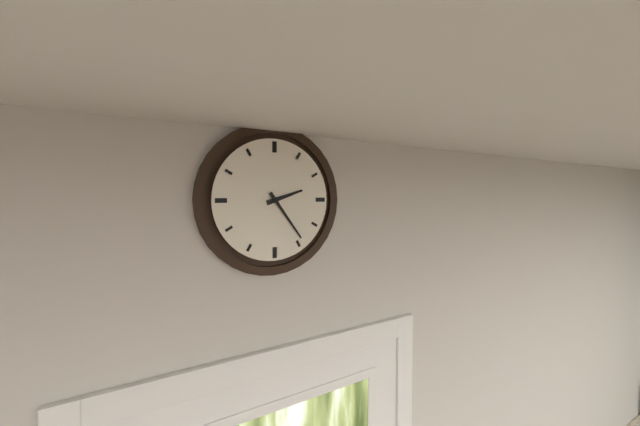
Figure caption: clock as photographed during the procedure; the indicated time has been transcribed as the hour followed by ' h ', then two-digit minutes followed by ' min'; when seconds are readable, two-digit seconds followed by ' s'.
2 h 24 min
